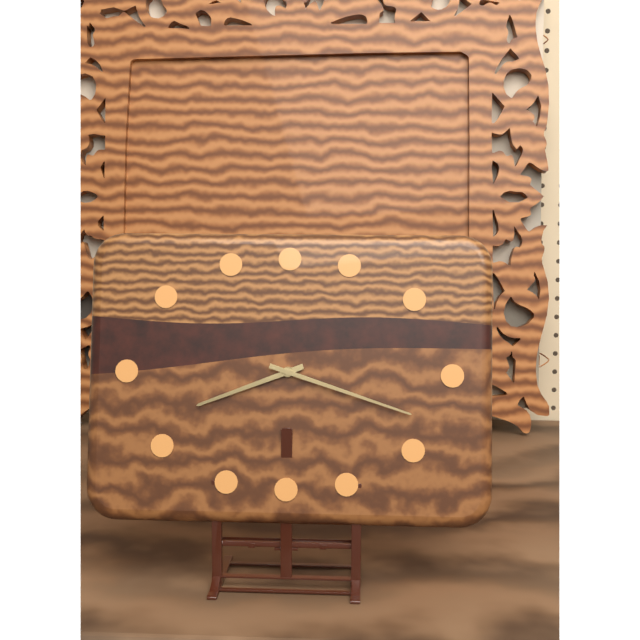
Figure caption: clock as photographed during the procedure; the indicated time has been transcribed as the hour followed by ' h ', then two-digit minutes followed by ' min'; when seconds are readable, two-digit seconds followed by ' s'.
8 h 18 min
